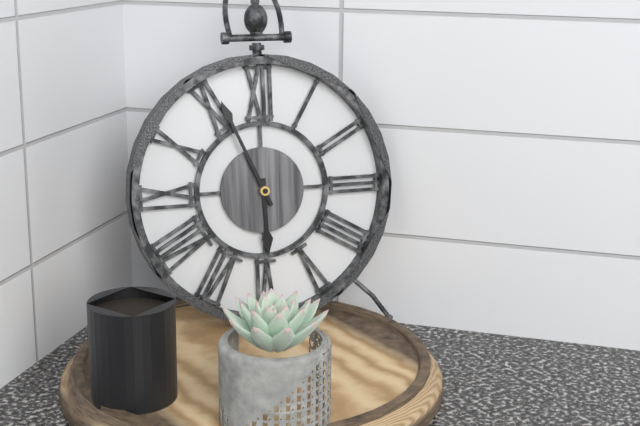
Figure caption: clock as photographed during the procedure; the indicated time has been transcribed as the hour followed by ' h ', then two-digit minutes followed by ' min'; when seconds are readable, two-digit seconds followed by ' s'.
5 h 56 min
